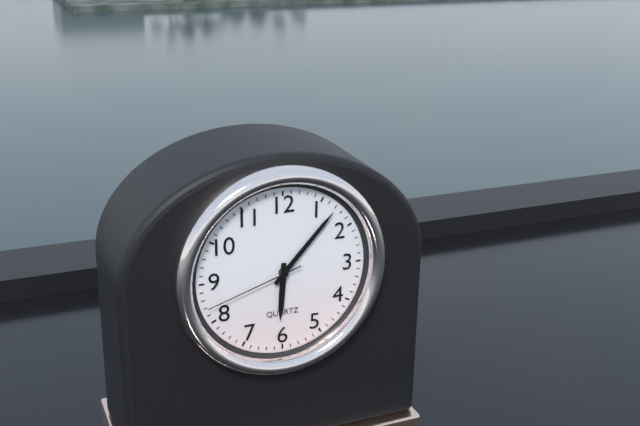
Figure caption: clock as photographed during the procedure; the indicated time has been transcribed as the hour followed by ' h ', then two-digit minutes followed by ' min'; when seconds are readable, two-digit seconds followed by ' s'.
6 h 07 min 42 s
